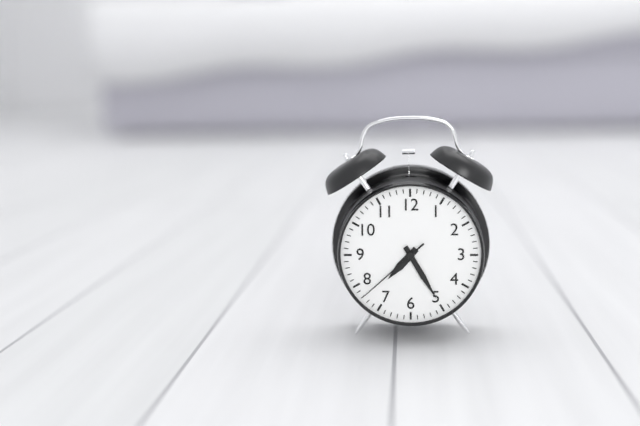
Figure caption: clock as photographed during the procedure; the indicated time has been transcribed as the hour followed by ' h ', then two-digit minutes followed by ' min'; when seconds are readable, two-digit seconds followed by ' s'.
7 h 25 min 38 s
